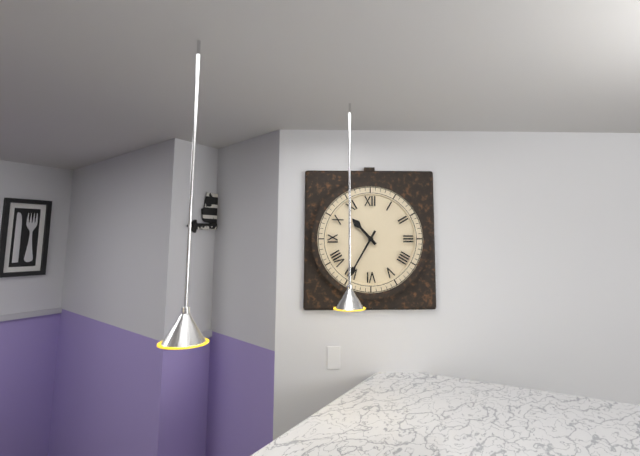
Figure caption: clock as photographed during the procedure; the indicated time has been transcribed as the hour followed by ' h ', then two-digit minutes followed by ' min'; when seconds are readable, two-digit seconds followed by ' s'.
10 h 35 min
